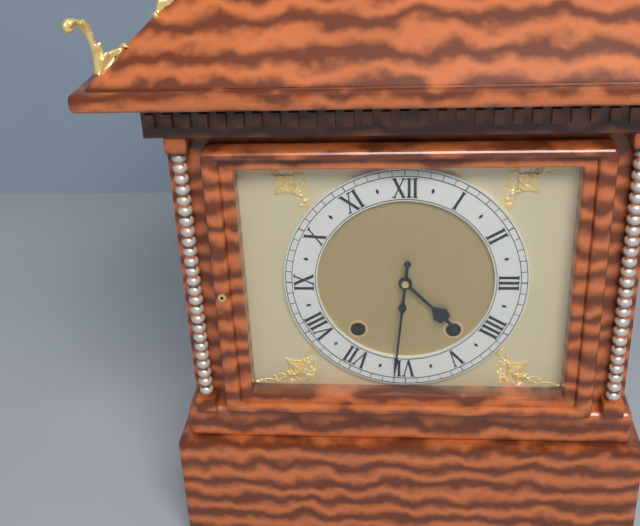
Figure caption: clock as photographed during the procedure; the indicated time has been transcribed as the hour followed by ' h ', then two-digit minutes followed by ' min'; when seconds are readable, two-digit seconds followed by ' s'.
4 h 31 min
